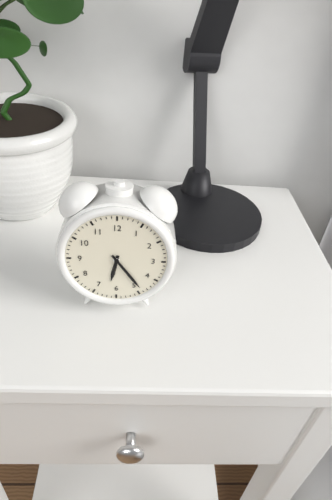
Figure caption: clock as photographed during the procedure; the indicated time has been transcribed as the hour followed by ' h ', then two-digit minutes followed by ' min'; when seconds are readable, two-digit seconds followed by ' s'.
6 h 24 min
